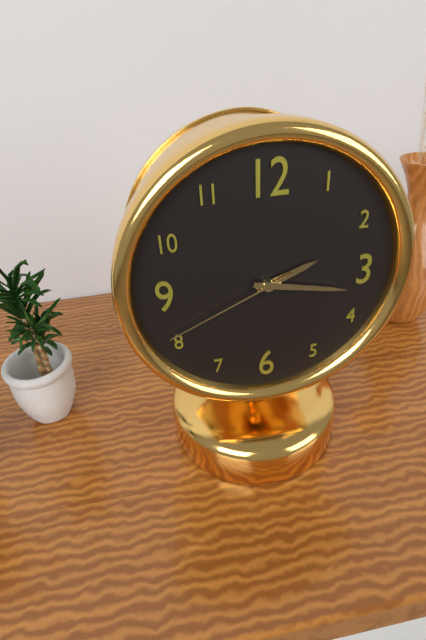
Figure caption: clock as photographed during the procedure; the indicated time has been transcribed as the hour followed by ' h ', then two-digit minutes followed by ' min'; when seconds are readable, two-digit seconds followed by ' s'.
2 h 17 min 41 s
